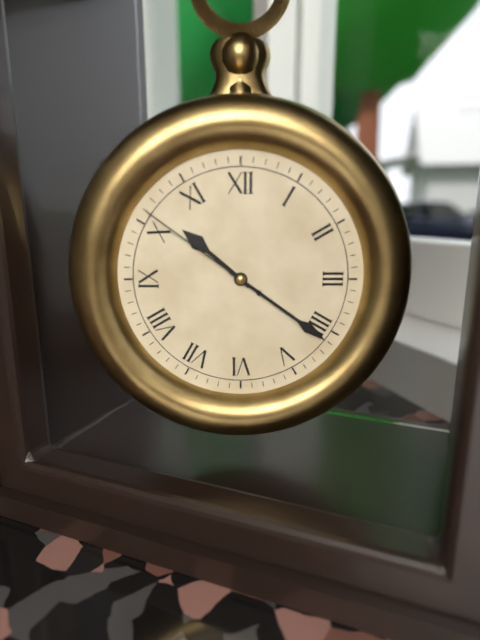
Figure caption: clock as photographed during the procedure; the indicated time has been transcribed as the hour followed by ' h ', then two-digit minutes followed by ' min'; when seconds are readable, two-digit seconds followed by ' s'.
10 h 21 min 51 s
